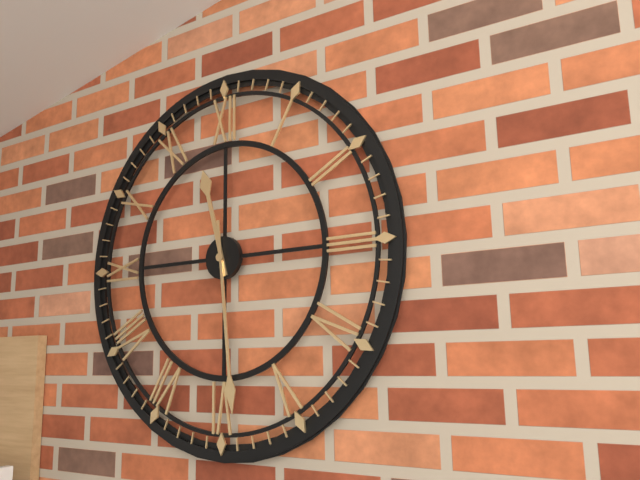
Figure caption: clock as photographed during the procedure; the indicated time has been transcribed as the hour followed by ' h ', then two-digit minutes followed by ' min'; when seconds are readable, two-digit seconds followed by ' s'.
11 h 29 min
